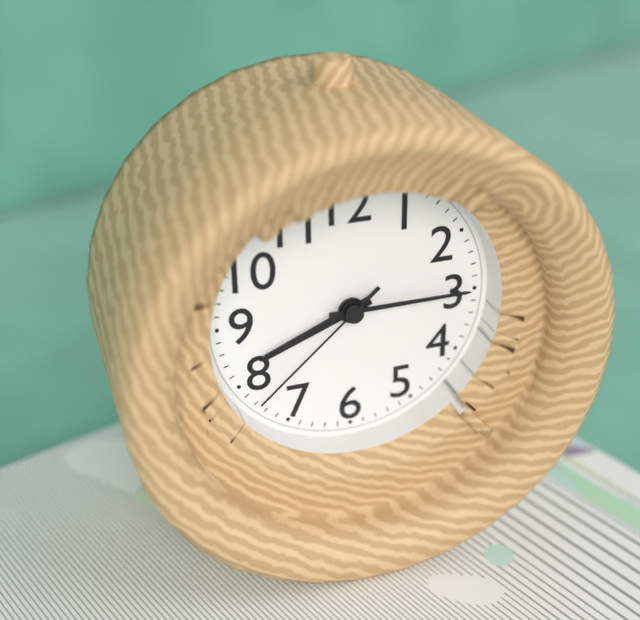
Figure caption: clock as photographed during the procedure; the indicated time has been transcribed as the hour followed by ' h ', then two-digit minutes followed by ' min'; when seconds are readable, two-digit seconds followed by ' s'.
8 h 15 min 38 s
